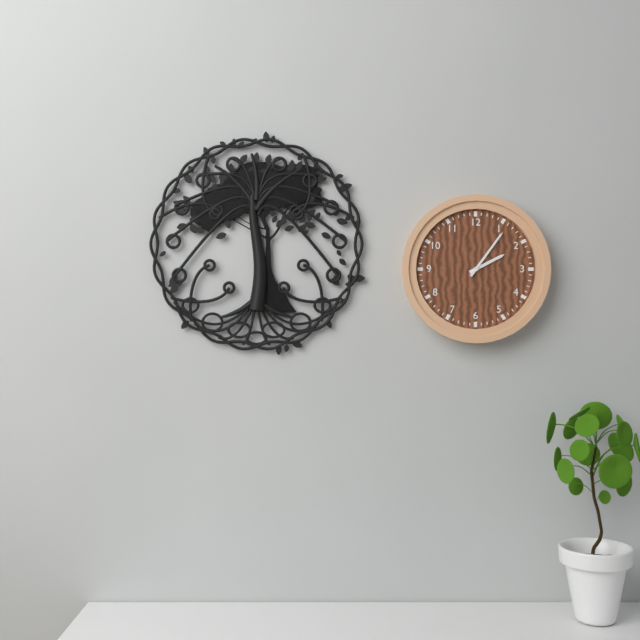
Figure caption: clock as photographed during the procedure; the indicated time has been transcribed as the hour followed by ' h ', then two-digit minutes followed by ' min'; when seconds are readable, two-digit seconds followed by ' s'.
2 h 06 min
